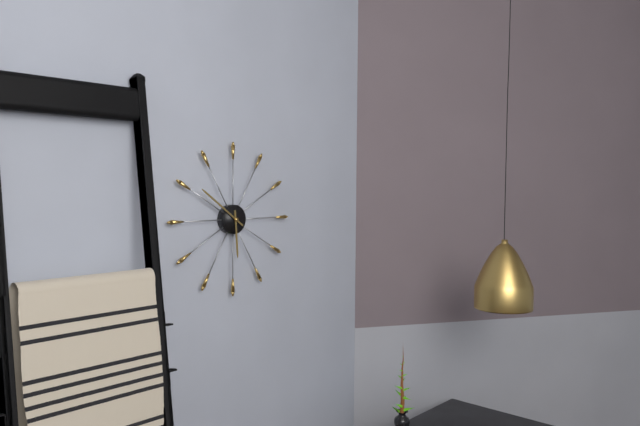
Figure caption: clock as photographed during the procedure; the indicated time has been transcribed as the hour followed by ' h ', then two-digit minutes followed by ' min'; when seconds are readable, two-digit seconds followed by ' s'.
5 h 51 min
